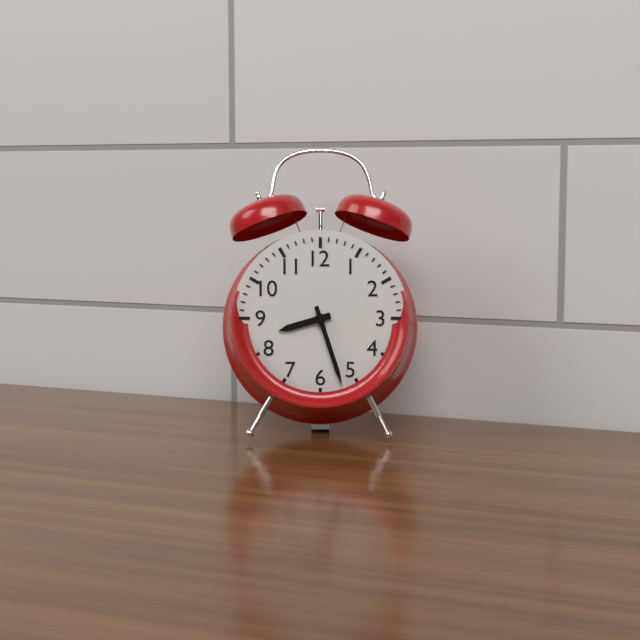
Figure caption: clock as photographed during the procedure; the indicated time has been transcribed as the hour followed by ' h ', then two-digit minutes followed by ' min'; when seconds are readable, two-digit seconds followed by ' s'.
8 h 27 min
